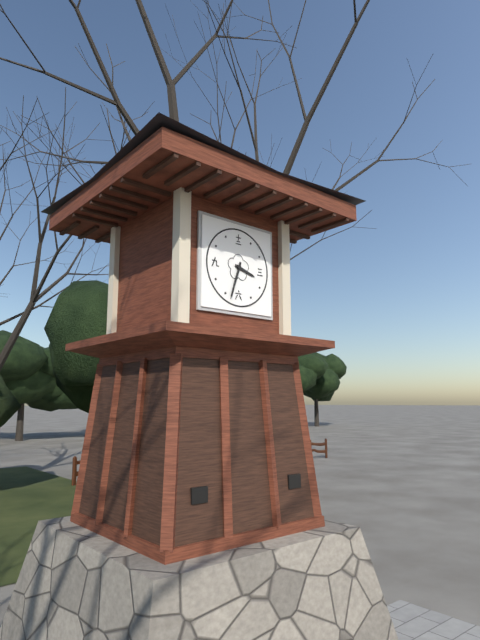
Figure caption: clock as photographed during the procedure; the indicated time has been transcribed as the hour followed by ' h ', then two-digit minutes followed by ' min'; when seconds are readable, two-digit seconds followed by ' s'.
3 h 33 min
